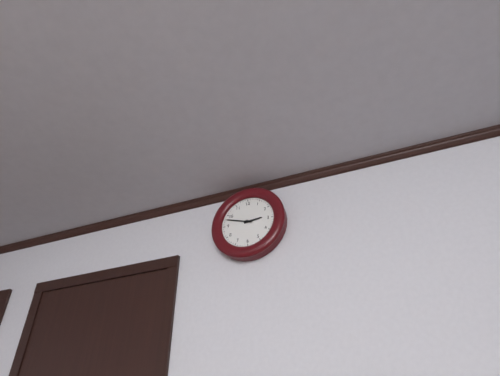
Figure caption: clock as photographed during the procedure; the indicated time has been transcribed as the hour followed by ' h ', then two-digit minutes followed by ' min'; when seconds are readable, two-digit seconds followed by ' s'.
2 h 48 min
